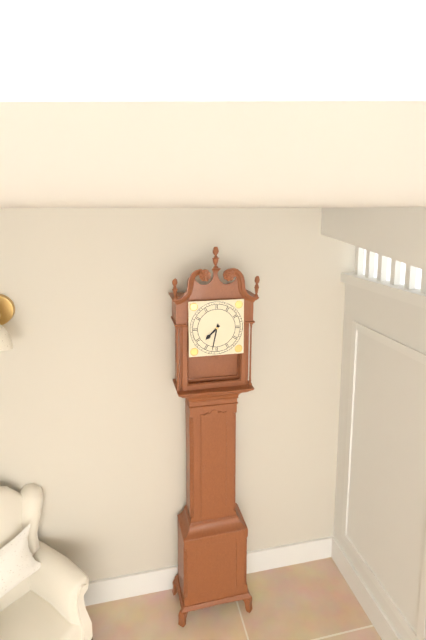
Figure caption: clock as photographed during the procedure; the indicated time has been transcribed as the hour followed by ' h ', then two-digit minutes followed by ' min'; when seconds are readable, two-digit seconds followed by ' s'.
7 h 32 min
